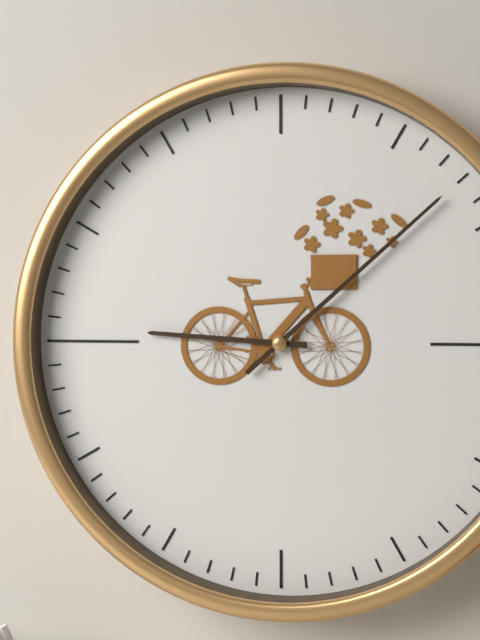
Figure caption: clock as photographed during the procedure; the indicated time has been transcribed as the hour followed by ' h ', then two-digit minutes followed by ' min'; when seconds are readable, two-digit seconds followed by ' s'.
9 h 08 min
